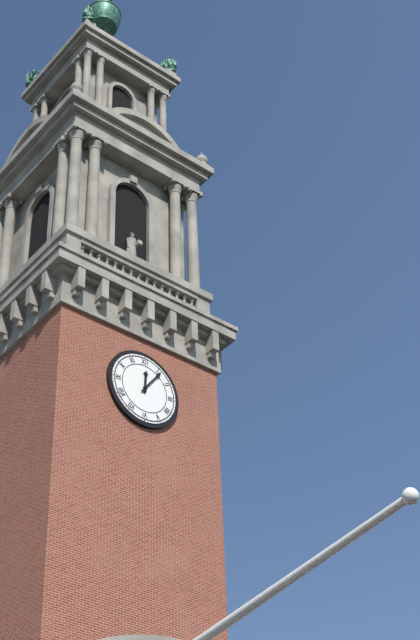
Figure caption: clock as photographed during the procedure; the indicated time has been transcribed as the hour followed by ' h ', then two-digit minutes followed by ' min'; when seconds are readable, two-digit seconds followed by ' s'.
12 h 06 min
